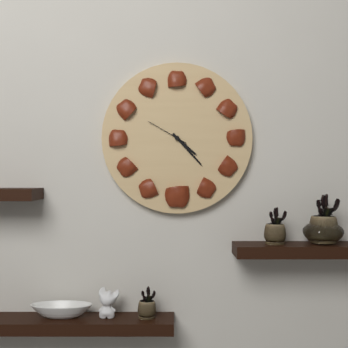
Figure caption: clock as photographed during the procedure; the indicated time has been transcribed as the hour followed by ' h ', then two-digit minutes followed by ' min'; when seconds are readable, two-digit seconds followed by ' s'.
4 h 23 min
